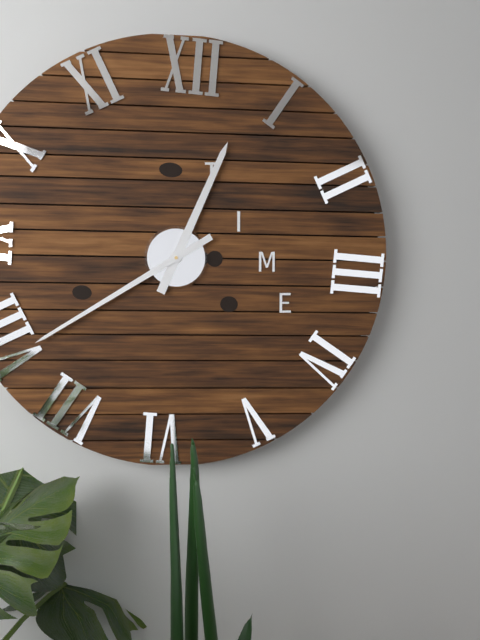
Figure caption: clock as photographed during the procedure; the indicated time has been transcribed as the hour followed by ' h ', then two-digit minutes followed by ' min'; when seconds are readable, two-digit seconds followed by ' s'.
12 h 39 min
